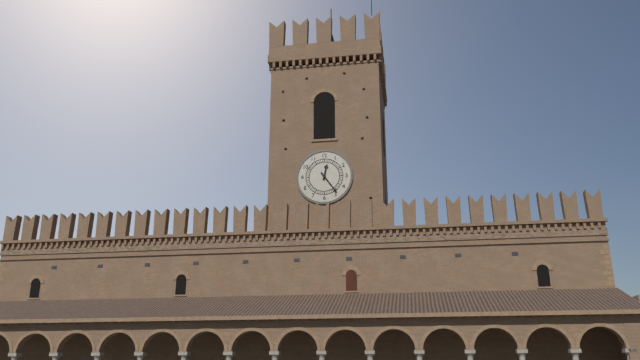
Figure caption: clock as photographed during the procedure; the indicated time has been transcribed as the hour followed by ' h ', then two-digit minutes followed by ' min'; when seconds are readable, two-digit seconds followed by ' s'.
12 h 24 min
